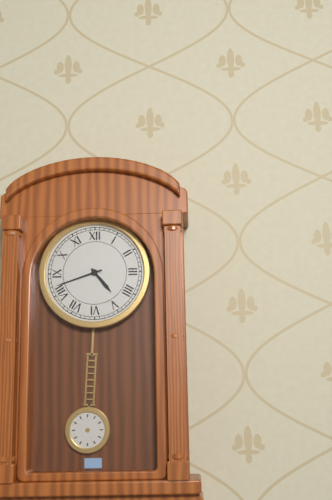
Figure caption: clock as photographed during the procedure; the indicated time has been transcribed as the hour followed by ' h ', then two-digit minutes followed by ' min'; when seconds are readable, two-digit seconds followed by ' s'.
4 h 42 min
